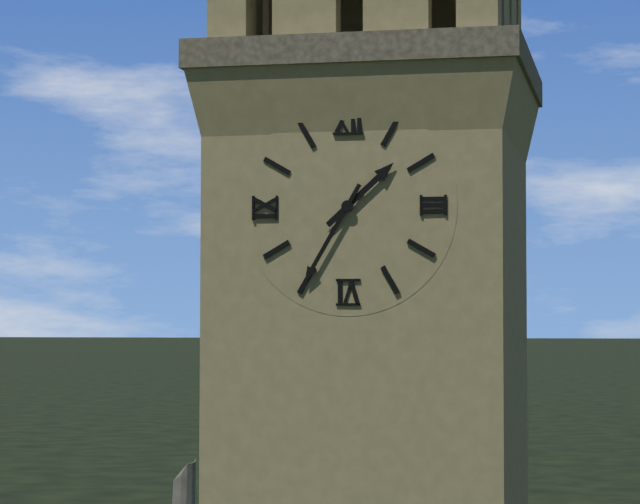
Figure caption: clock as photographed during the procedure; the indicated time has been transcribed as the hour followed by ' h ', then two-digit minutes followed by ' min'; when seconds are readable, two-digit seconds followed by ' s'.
1 h 35 min
